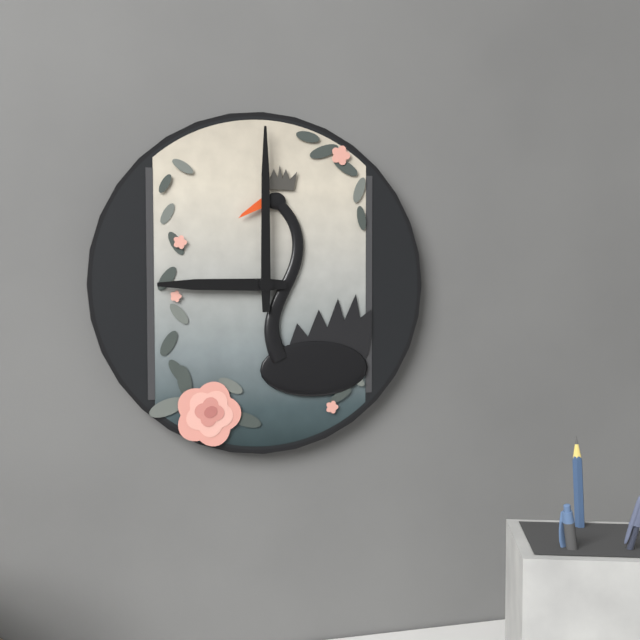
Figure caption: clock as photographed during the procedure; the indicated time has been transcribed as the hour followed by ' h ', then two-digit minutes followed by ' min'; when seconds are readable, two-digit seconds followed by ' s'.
9 h 00 min
